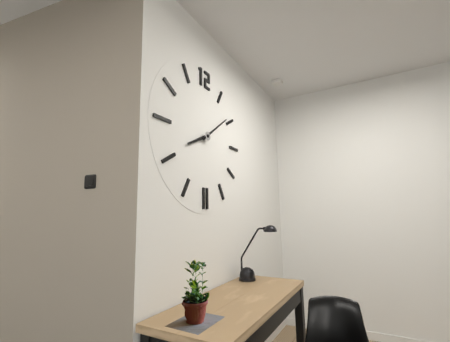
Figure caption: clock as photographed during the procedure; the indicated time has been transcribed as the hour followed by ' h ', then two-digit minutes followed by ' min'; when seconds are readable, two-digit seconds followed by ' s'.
8 h 09 min
